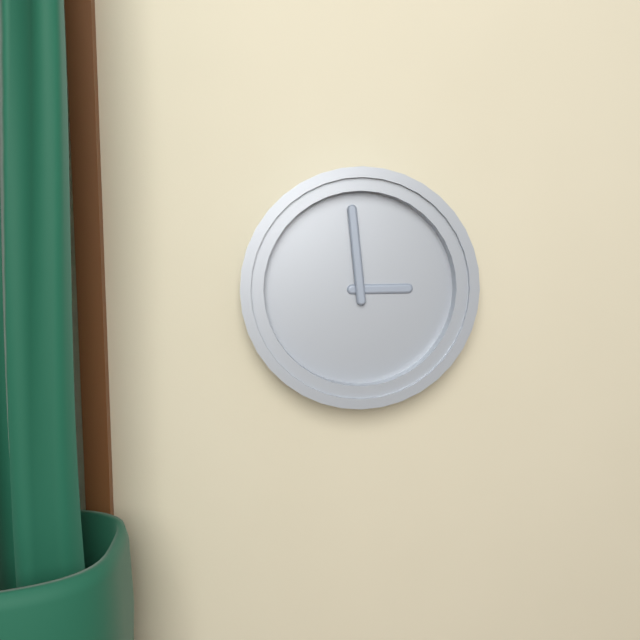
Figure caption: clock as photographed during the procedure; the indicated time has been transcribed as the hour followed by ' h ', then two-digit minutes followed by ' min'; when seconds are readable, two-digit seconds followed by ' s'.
2 h 59 min
